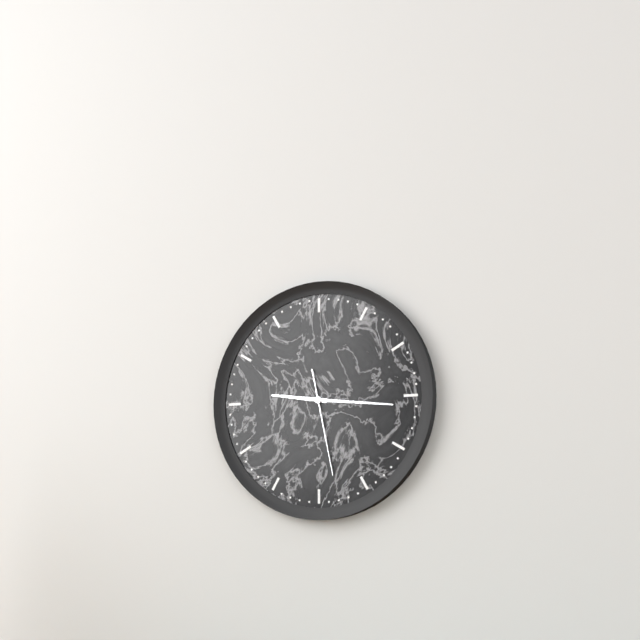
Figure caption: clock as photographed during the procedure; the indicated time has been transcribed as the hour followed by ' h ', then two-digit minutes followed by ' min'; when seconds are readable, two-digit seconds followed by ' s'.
9 h 16 min 28 s
